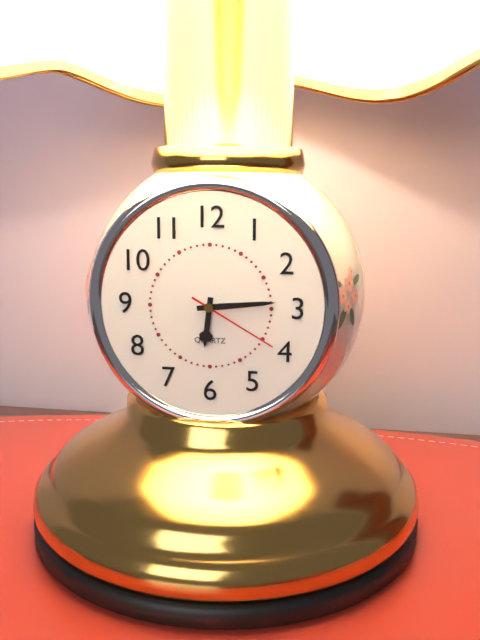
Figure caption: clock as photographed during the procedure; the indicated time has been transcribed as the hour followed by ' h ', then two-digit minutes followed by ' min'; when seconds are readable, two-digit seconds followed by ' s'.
6 h 14 min 20 s
